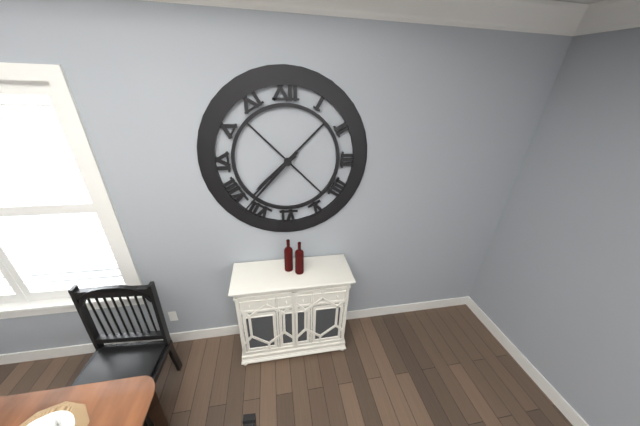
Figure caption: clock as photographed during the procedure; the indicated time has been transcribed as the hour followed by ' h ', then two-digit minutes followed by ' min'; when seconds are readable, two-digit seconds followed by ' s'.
7 h 37 min
